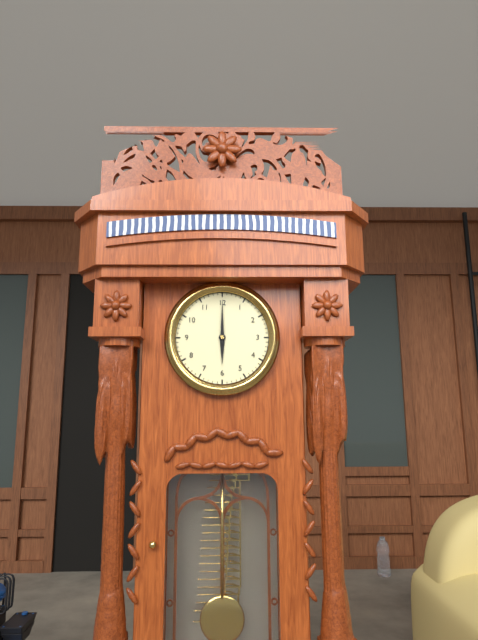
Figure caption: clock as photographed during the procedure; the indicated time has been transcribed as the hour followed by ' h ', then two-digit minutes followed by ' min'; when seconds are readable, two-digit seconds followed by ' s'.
6 h 00 min
